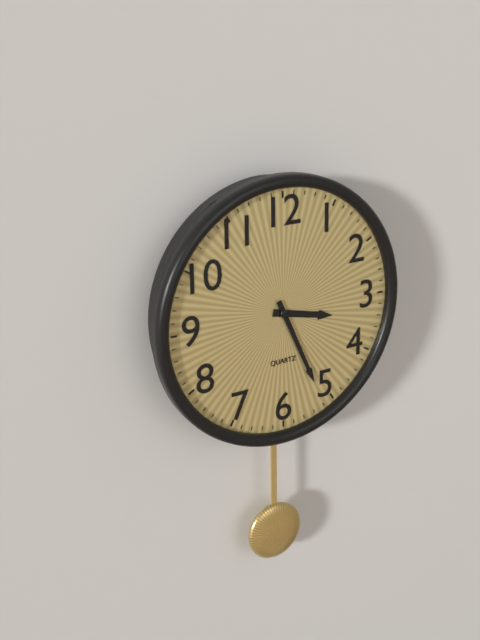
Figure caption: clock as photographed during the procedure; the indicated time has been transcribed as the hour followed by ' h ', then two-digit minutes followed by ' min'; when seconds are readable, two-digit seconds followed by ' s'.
3 h 26 min
